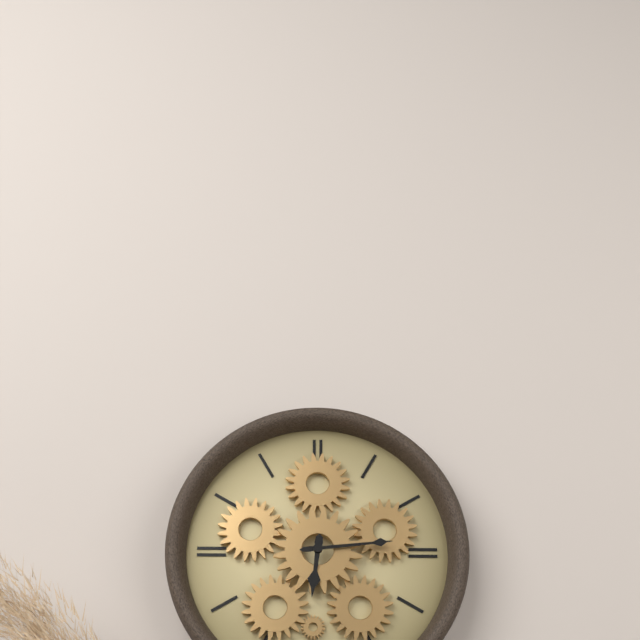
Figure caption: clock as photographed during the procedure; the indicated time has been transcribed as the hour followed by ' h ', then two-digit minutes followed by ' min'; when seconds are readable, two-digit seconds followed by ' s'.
6 h 14 min
